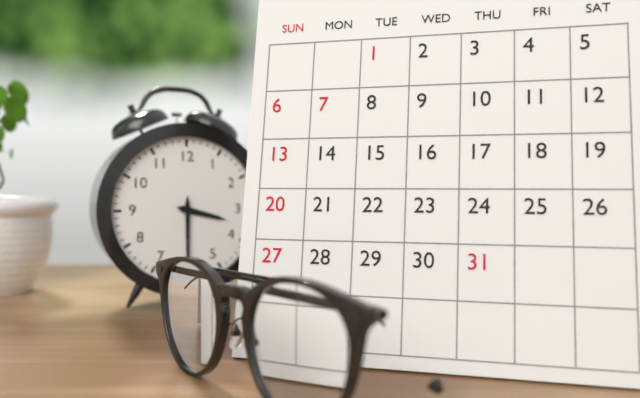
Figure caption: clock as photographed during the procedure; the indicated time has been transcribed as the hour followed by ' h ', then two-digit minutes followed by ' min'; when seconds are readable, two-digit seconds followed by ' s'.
3 h 30 min
